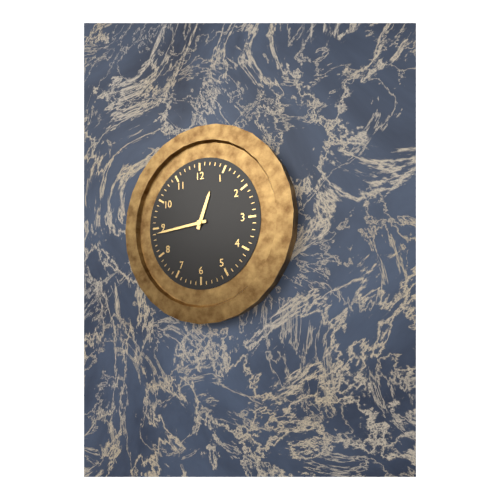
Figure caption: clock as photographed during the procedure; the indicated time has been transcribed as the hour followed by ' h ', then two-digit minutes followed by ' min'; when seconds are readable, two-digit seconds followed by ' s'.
12 h 44 min
